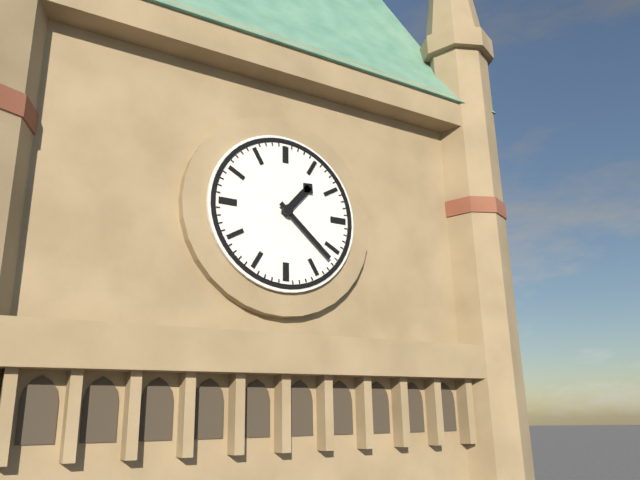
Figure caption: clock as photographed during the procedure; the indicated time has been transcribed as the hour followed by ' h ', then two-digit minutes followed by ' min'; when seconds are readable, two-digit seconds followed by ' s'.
1 h 22 min
